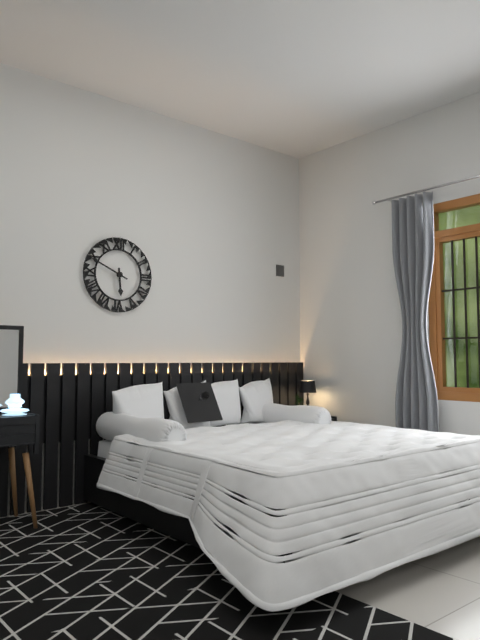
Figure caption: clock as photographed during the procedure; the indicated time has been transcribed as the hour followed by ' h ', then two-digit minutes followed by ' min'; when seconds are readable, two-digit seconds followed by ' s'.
5 h 49 min
